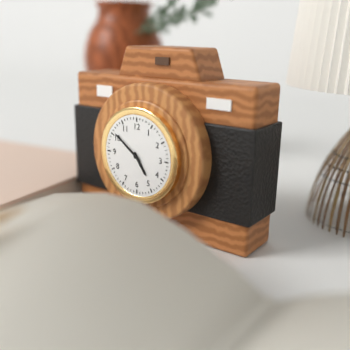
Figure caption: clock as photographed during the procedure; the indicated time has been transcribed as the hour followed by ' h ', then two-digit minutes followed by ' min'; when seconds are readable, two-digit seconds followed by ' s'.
4 h 51 min
